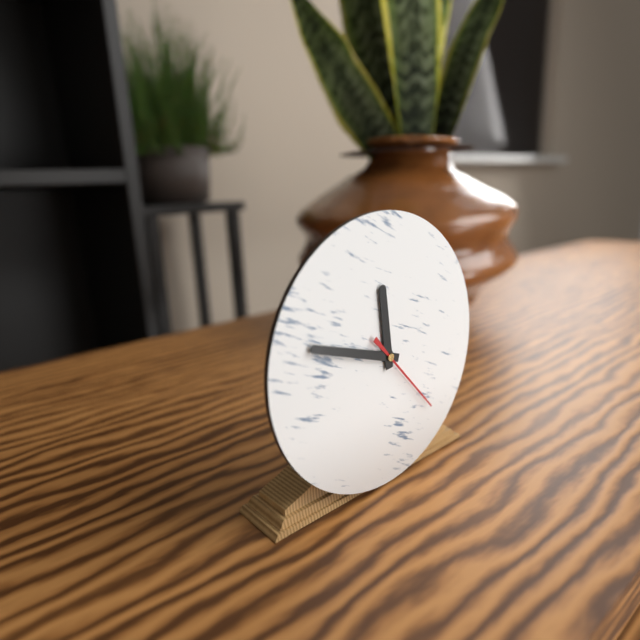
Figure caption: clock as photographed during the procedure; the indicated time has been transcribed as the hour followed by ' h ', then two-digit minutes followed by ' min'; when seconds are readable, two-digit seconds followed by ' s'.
11 h 48 min 23 s
